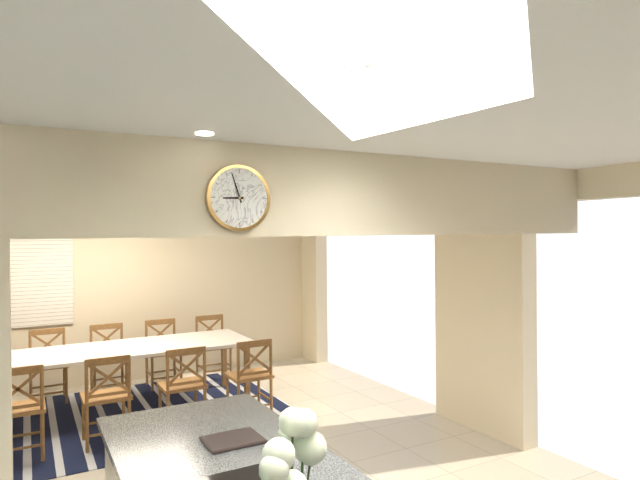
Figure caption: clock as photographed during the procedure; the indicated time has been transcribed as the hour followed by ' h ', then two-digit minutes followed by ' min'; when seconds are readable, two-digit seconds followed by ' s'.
8 h 57 min
